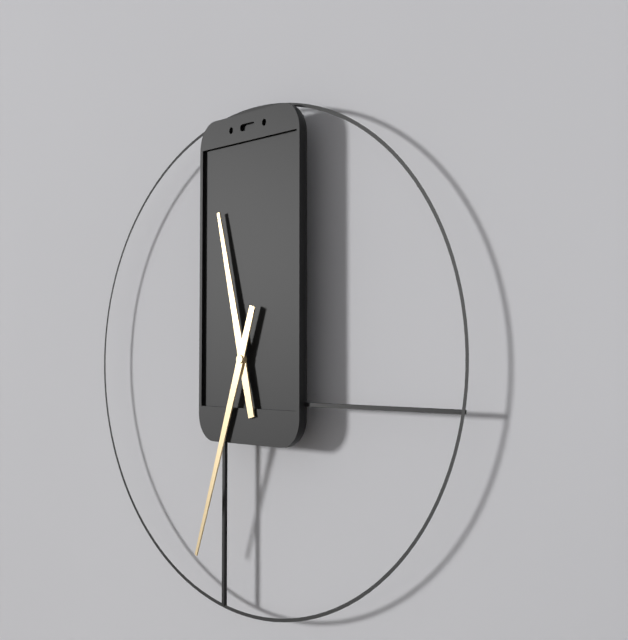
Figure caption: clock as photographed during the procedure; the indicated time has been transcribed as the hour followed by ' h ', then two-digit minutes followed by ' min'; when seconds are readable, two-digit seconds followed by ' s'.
11 h 33 min
